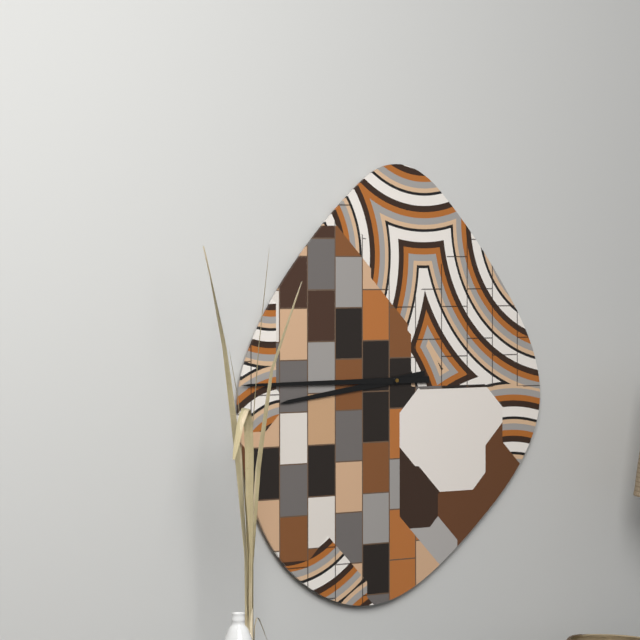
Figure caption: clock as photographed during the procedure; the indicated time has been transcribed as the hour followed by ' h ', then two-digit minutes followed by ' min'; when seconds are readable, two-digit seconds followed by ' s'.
8 h 45 min
